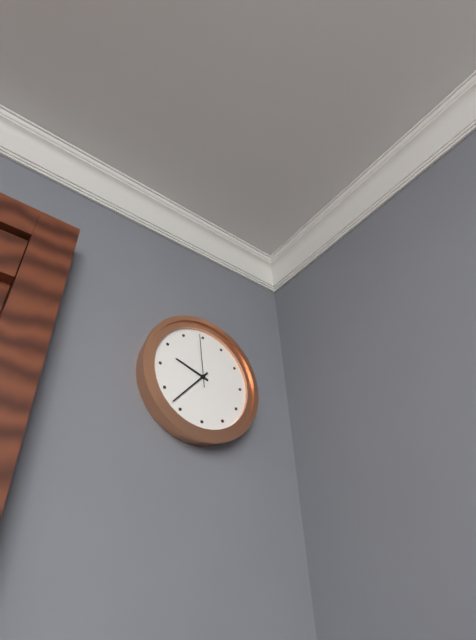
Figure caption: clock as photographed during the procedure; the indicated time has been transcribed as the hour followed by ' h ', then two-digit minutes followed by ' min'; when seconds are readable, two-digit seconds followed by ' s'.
9 h 37 min 59 s
